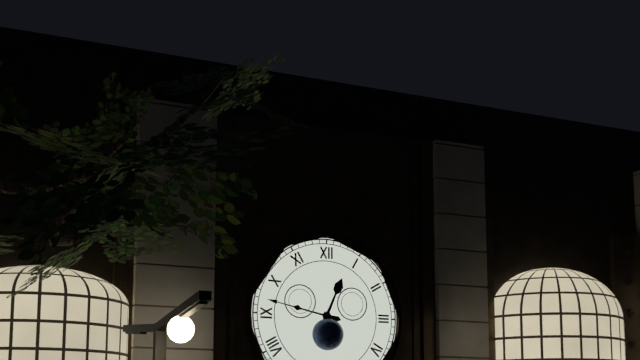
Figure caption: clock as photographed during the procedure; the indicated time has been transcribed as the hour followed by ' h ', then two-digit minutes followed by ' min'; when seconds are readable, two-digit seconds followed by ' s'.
12 h 47 min
